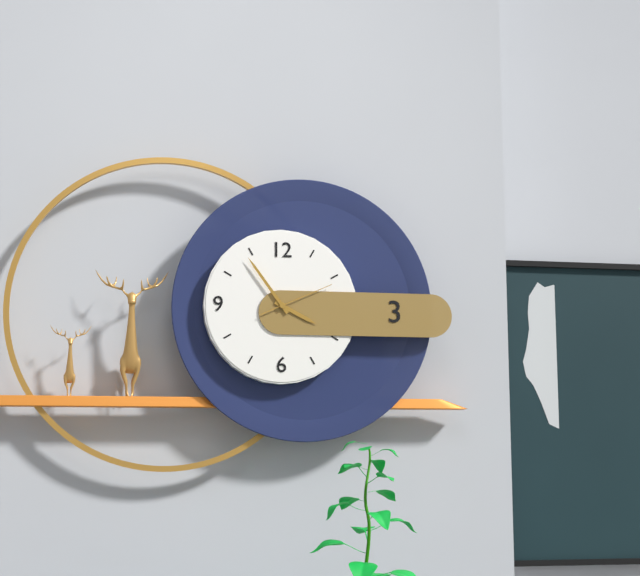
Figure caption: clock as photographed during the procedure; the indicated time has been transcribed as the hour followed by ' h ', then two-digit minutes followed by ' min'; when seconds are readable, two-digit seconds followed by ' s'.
3 h 54 min 11 s
